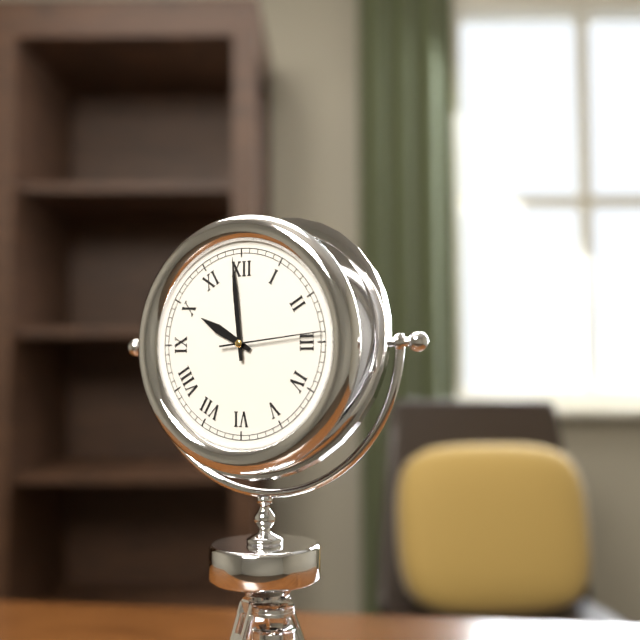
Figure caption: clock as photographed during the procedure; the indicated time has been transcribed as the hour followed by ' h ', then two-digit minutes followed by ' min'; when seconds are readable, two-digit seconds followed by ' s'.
9 h 59 min 14 s
